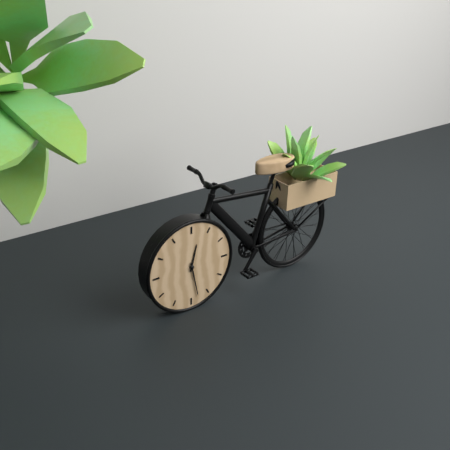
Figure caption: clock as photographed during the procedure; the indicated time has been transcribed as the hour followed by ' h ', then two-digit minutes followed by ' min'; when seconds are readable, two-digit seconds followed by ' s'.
12 h 28 min
